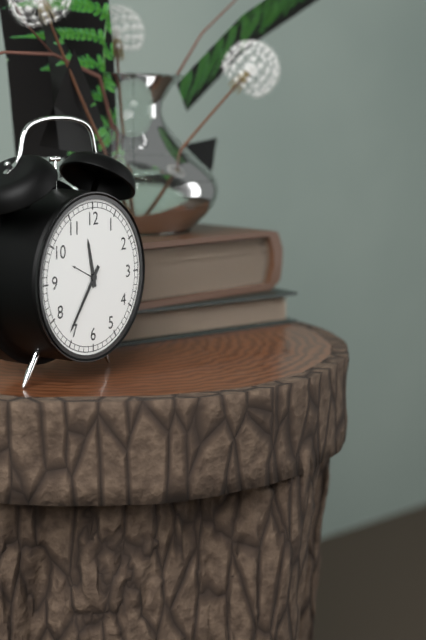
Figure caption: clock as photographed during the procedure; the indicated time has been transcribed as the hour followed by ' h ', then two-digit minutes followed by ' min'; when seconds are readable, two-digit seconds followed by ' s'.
11 h 36 min
